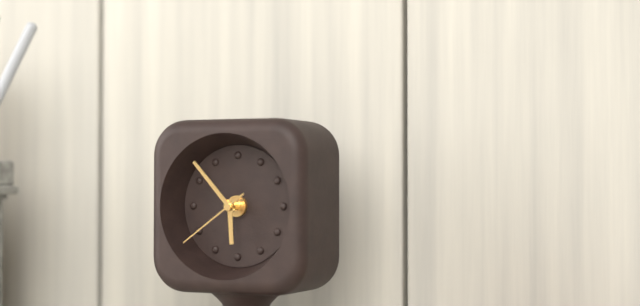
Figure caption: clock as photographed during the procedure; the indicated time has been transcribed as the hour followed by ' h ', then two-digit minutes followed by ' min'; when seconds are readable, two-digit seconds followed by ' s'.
5 h 53 min 39 s
